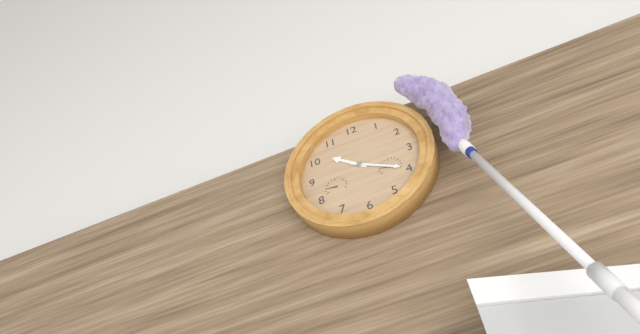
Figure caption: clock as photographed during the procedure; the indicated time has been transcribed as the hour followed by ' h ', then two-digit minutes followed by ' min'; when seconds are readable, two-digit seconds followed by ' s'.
10 h 20 min
